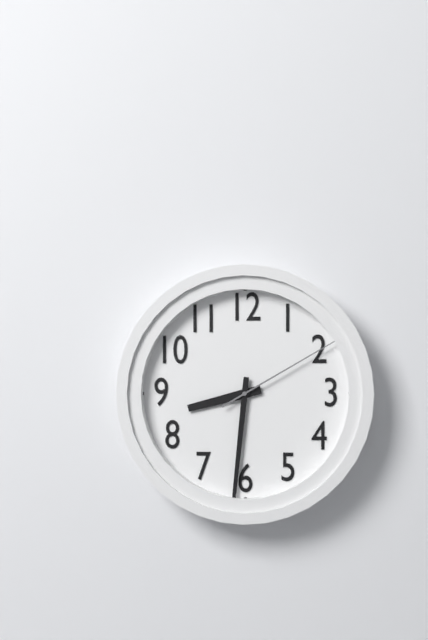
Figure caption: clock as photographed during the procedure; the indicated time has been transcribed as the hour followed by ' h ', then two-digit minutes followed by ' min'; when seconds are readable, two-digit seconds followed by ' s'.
8 h 31 min 10 s
